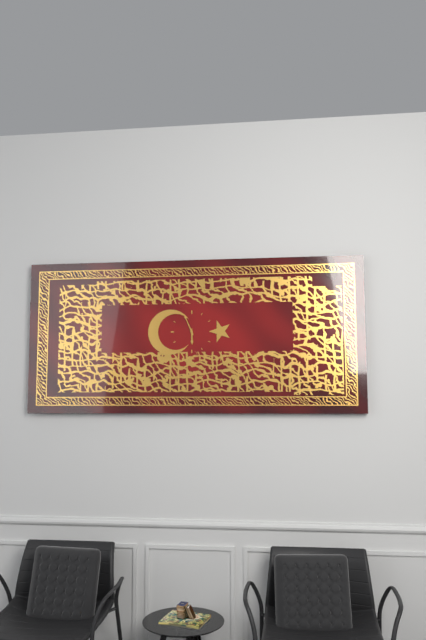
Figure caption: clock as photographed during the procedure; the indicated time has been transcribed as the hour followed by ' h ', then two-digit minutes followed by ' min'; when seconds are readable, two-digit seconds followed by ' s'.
5 h 56 min
